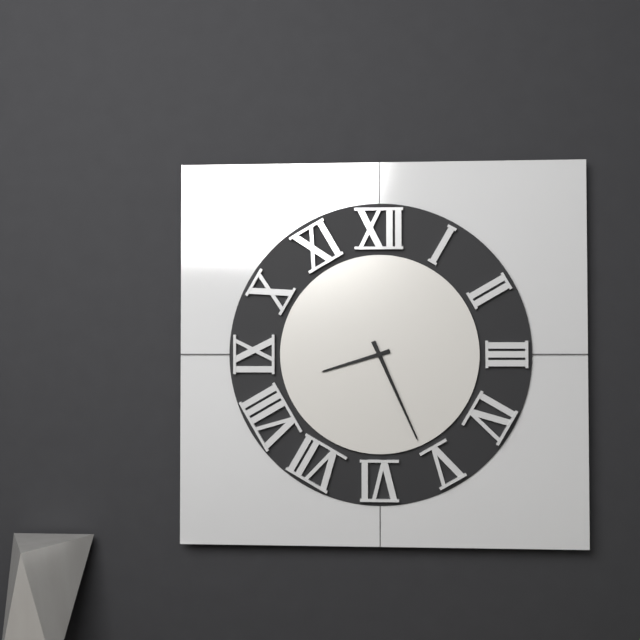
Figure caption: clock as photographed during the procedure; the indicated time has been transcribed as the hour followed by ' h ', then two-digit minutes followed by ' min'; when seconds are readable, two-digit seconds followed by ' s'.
8 h 26 min
